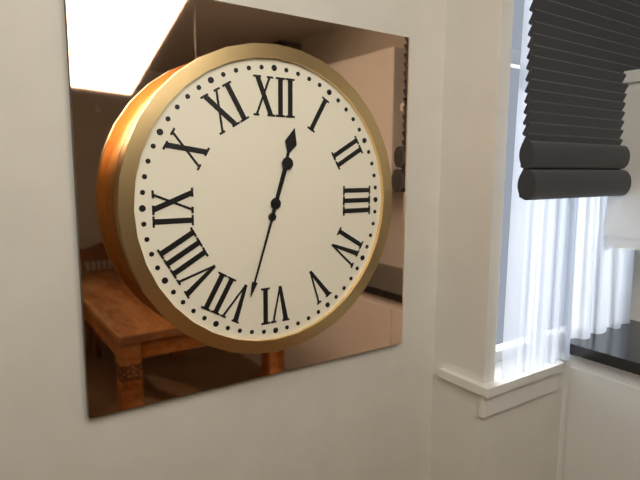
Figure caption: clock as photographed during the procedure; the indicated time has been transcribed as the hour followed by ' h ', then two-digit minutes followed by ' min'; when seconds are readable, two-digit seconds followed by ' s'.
12 h 33 min
